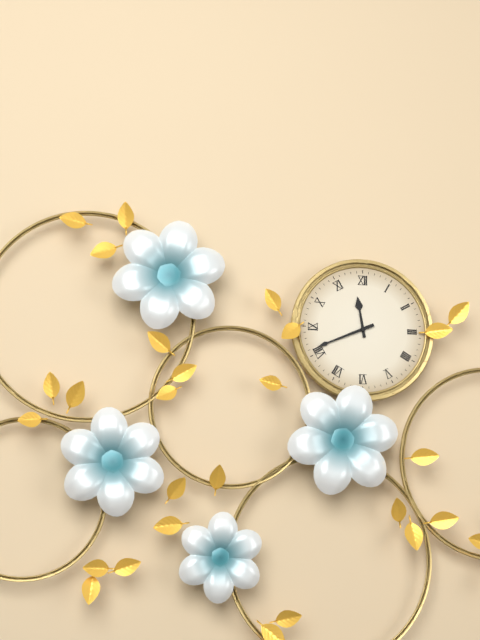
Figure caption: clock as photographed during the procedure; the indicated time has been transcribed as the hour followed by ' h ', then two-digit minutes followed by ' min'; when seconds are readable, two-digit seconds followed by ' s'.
11 h 41 min
